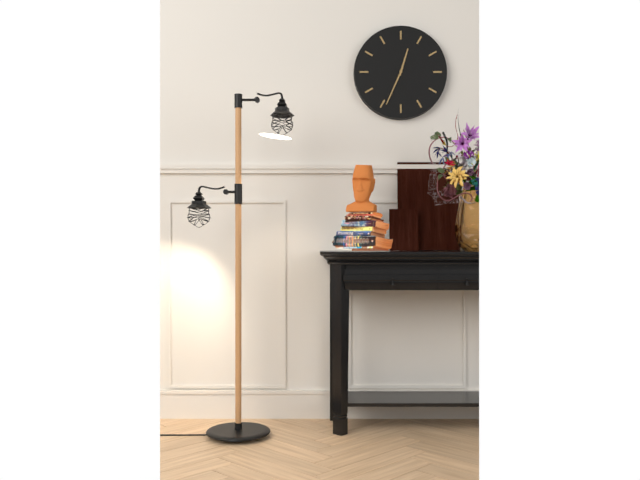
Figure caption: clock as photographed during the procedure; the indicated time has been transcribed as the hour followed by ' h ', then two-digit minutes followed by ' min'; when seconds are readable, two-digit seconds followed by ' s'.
12 h 34 min
